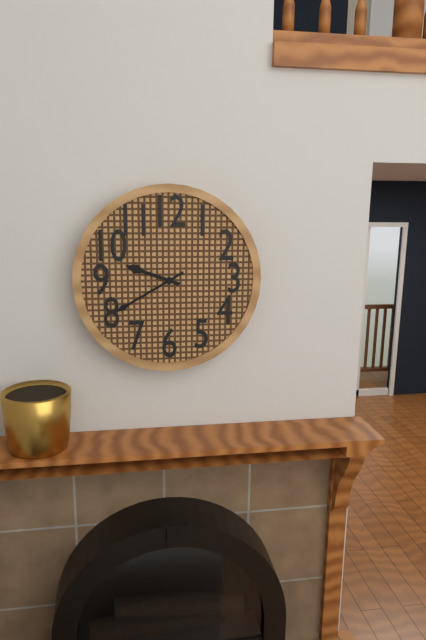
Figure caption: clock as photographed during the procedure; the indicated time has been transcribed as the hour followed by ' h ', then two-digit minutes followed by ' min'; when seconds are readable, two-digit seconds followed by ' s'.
9 h 40 min
